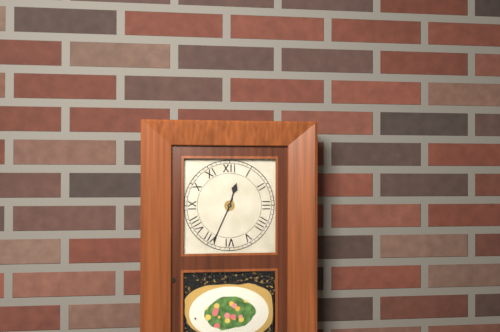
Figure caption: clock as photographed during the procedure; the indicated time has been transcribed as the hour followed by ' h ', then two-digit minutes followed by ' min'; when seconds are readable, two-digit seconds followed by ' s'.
12 h 34 min
